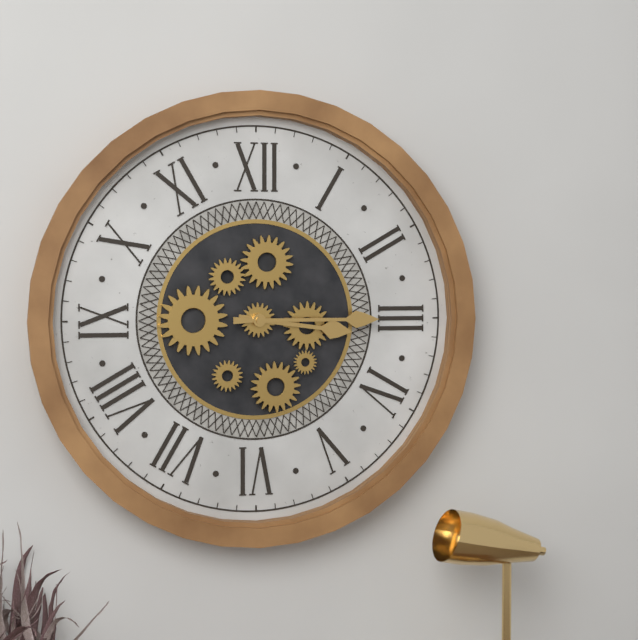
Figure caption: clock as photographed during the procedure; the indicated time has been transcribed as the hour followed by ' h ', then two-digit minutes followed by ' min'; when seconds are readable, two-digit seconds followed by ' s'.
3 h 15 min
